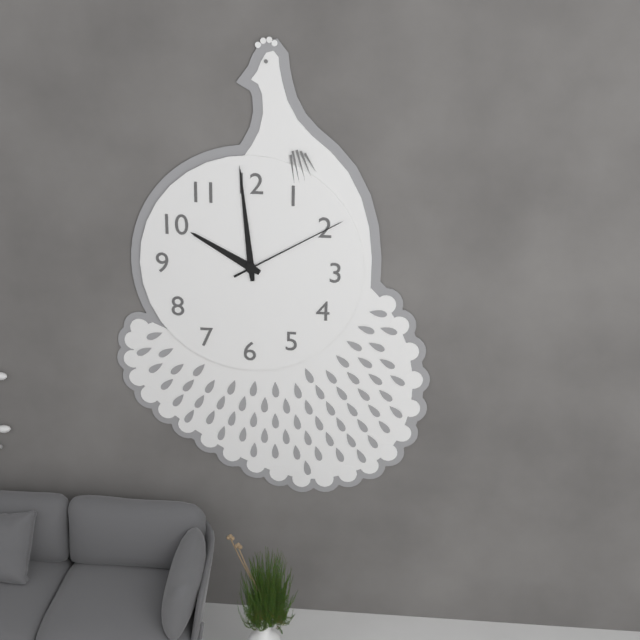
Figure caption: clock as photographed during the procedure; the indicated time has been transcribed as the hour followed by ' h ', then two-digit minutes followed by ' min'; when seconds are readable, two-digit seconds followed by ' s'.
9 h 59 min 10 s
